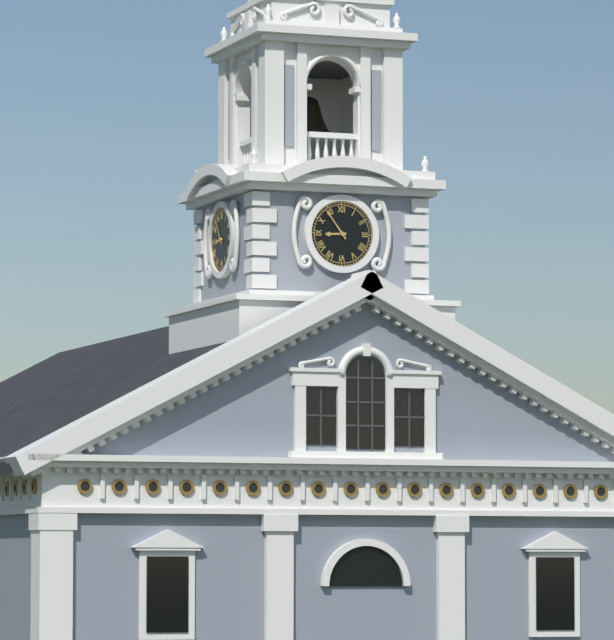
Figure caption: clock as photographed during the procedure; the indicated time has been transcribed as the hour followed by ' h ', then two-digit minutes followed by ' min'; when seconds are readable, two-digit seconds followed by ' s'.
8 h 54 min
